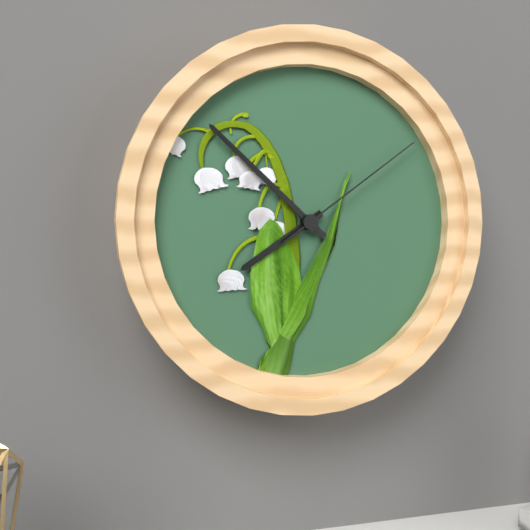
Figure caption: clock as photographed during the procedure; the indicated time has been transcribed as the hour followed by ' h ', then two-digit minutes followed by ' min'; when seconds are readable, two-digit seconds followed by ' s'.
7 h 52 min 09 s
